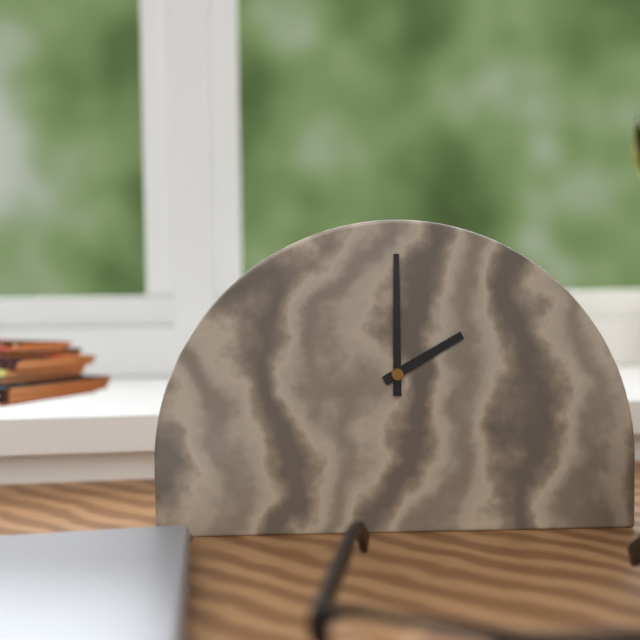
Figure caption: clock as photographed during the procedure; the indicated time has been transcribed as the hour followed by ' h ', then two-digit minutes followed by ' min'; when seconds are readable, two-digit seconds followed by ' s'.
2 h 00 min
